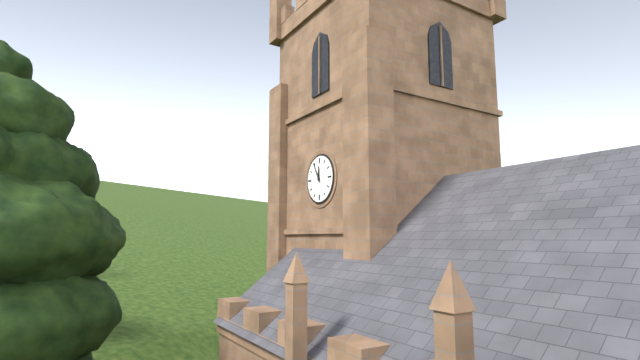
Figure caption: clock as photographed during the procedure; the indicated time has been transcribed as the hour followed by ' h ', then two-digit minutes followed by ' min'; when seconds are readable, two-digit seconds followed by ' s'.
11 h 55 min
